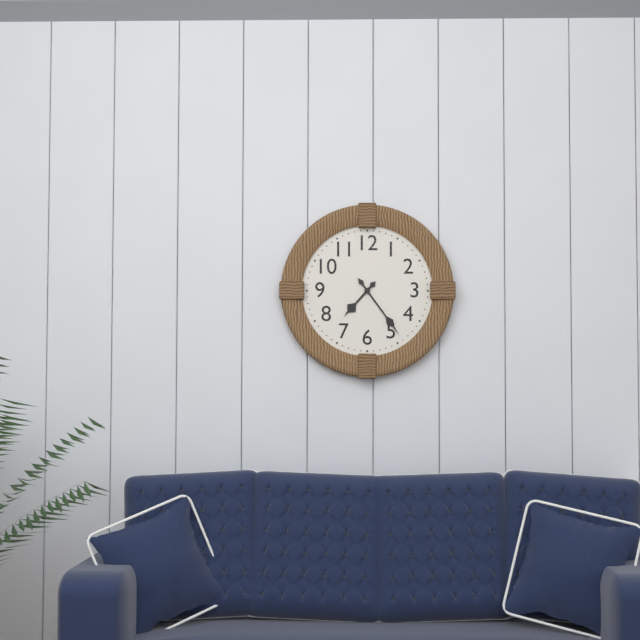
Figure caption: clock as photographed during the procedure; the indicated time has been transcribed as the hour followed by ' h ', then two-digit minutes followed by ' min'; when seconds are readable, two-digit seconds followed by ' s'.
7 h 24 min
